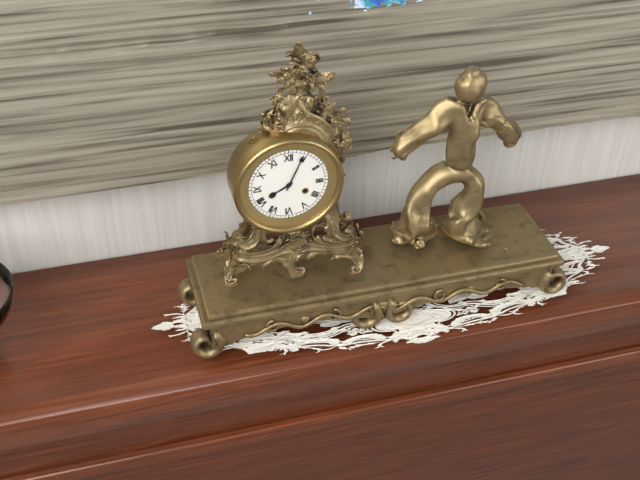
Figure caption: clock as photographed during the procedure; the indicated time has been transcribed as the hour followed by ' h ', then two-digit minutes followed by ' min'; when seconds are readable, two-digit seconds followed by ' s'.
8 h 04 min
